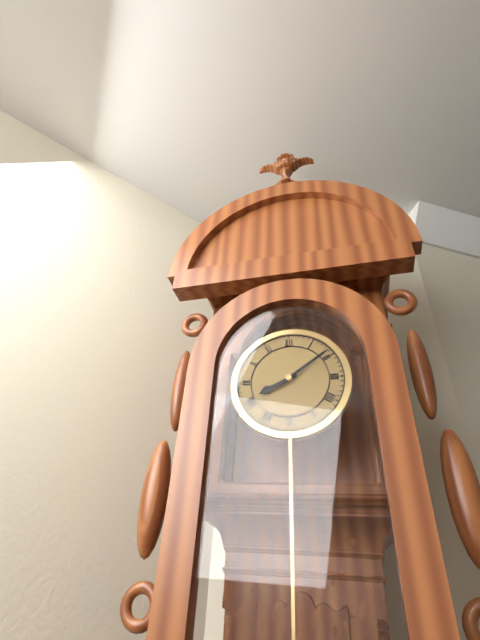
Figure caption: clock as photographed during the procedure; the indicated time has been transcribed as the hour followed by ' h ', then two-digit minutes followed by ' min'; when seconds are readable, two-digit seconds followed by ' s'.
8 h 09 min
